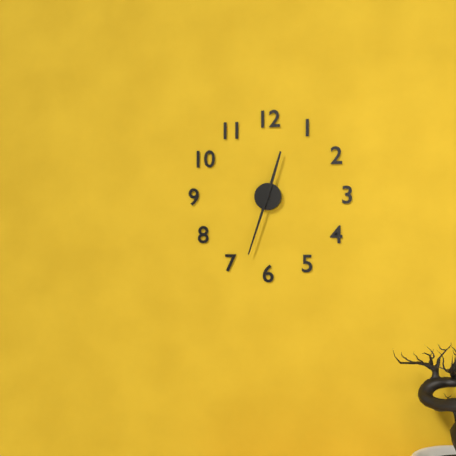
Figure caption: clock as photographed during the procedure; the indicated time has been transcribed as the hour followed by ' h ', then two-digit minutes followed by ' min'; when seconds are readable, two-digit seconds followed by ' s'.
12 h 33 min
